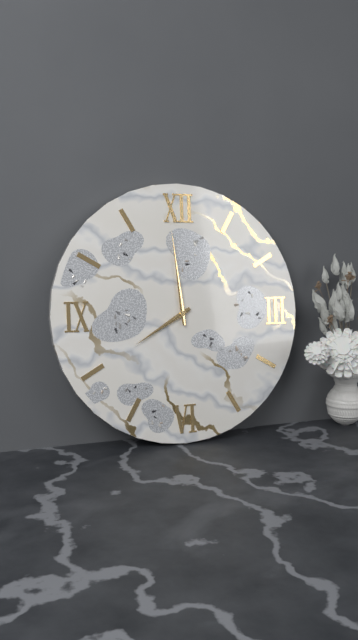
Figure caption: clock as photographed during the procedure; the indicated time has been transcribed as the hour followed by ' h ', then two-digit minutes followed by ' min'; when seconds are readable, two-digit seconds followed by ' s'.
7 h 59 min
